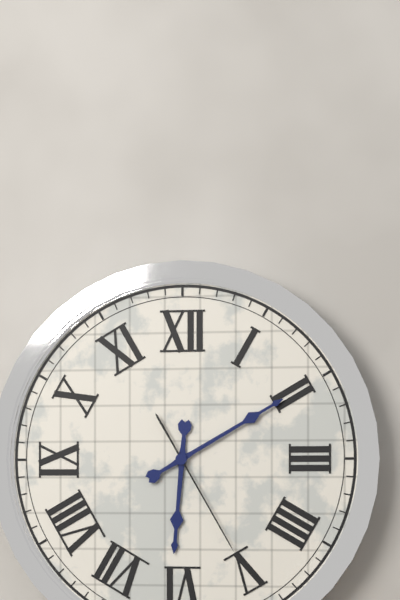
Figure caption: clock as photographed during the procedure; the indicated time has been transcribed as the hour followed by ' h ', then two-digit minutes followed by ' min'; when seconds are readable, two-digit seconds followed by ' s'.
6 h 10 min 25 s
